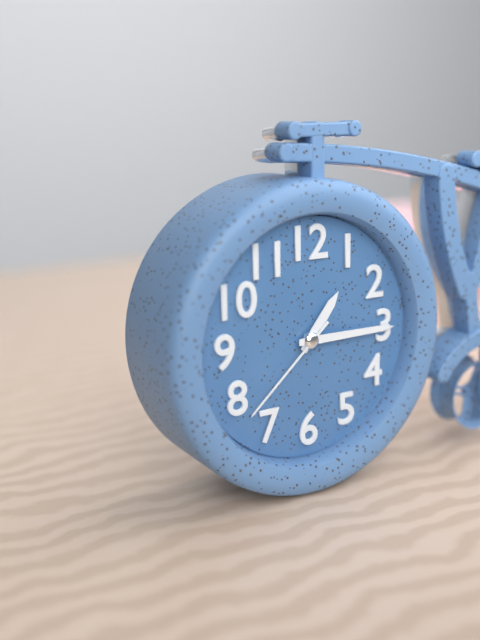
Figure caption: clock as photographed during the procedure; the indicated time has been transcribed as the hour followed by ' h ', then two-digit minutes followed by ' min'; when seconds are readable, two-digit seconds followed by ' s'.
1 h 15 min 38 s
